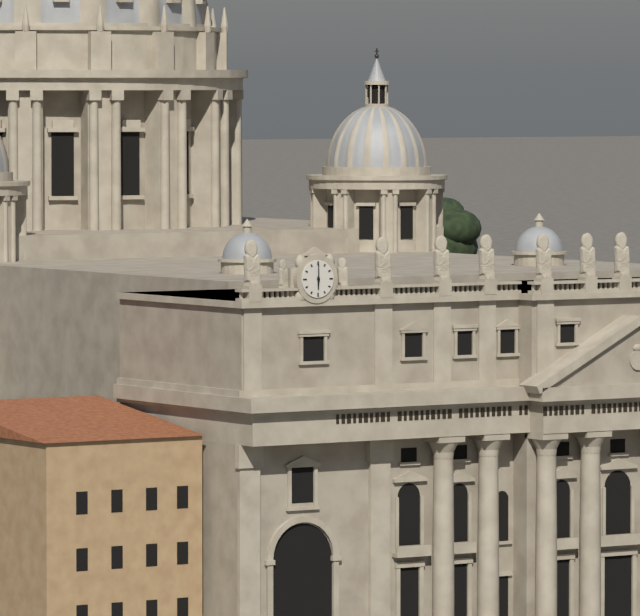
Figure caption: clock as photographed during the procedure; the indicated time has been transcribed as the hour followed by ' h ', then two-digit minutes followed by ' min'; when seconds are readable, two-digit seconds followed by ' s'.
6 h 00 min
